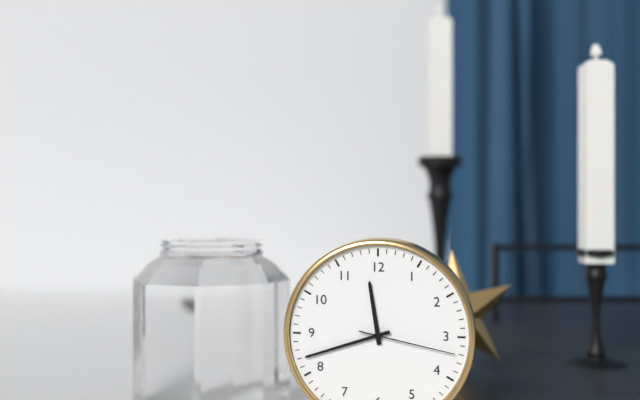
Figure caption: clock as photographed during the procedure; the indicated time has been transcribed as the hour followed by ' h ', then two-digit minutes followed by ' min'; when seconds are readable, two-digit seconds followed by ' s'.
11 h 42 min 17 s
